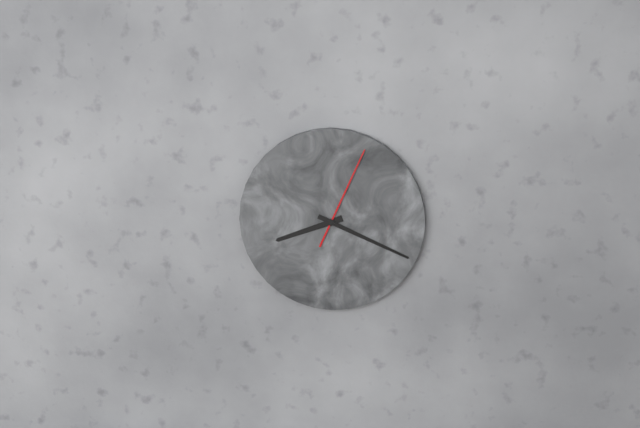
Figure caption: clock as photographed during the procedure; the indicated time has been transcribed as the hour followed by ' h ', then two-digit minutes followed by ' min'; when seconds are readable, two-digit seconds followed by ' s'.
8 h 19 min 04 s
